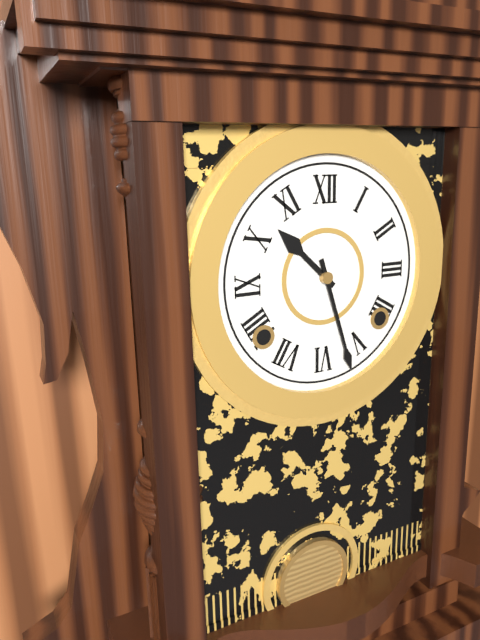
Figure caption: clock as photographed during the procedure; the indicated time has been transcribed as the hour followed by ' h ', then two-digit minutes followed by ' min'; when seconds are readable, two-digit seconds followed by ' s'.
10 h 27 min
